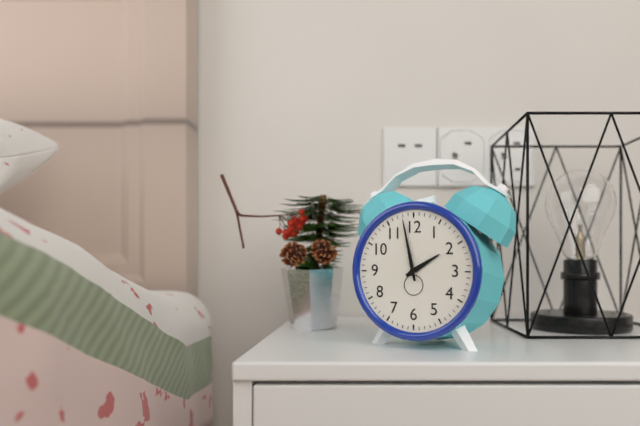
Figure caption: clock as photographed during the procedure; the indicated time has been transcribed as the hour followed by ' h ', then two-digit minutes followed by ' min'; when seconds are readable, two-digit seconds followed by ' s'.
1 h 58 min
